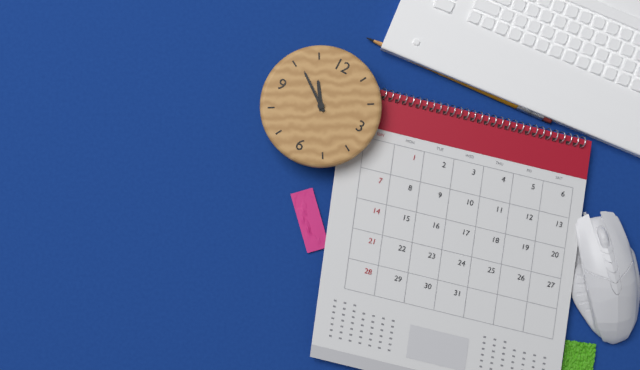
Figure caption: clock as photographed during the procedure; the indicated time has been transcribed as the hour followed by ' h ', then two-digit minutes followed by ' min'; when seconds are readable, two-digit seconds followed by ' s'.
10 h 51 min
